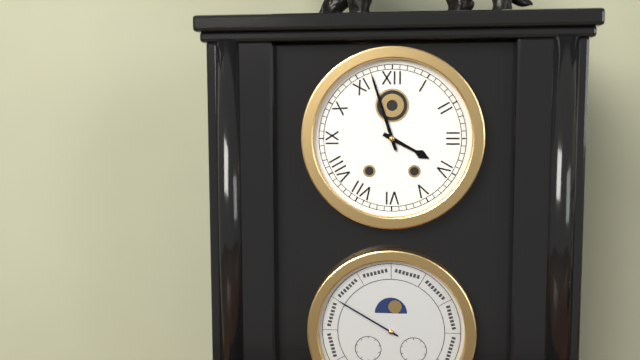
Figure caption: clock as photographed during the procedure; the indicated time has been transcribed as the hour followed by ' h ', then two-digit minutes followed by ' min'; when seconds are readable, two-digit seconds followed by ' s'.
3 h 57 min
